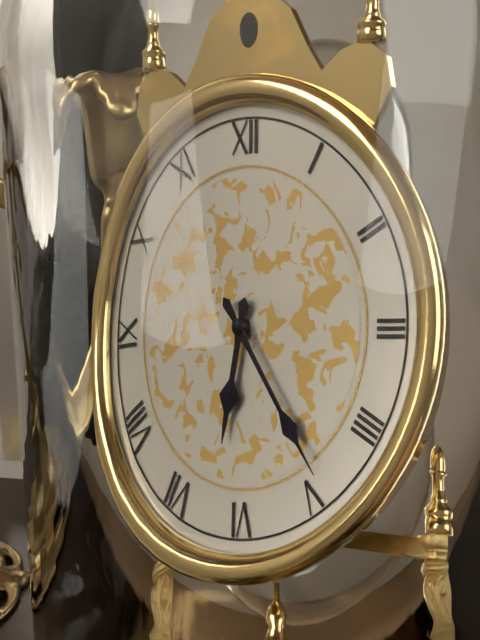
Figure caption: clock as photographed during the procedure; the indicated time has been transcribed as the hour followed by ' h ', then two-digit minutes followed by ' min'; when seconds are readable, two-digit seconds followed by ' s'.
6 h 24 min
